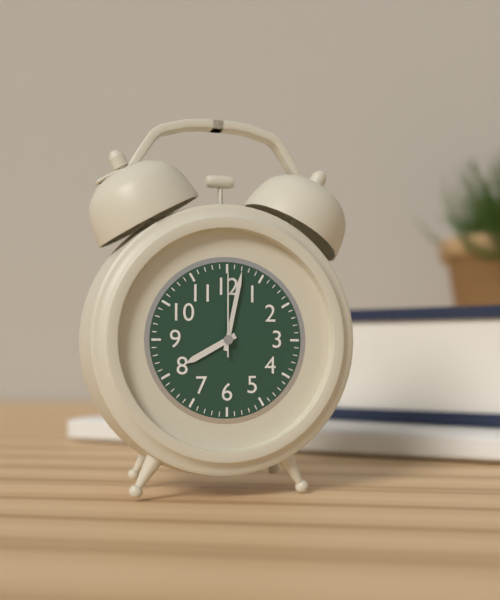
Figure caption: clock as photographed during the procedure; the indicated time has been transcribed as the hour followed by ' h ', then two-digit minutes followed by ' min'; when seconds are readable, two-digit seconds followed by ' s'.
8 h 02 min 00 s
